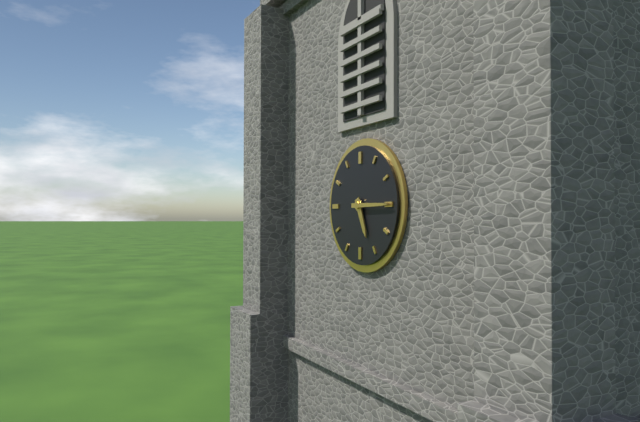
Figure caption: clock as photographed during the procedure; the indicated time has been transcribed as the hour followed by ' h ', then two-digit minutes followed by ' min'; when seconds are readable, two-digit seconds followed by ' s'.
5 h 15 min
